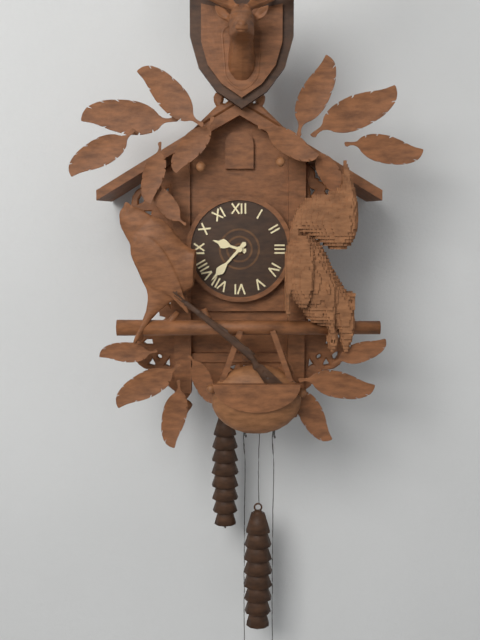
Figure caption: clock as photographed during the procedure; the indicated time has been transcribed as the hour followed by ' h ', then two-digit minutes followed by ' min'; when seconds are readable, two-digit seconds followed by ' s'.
9 h 37 min
